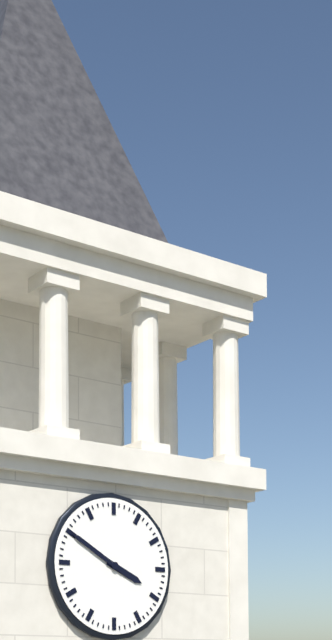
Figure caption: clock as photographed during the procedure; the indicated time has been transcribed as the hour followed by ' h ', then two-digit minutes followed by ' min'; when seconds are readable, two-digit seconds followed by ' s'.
3 h 50 min
